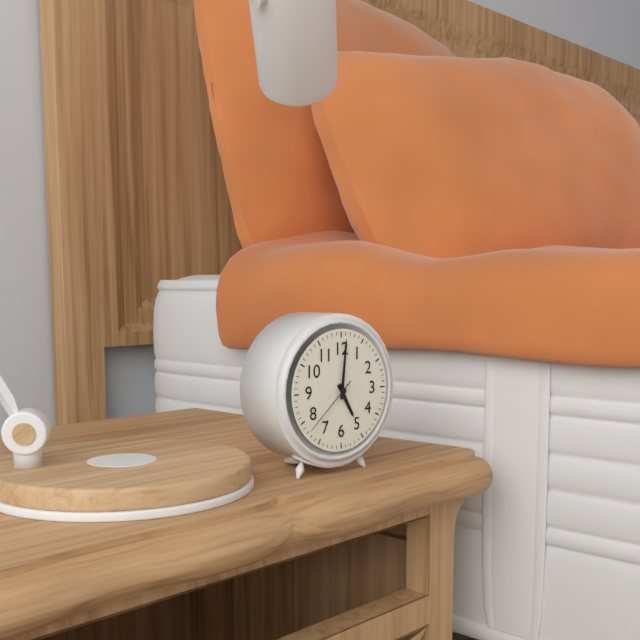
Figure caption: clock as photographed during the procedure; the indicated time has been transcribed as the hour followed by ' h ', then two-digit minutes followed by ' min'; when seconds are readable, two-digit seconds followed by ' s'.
5 h 01 min 38 s
